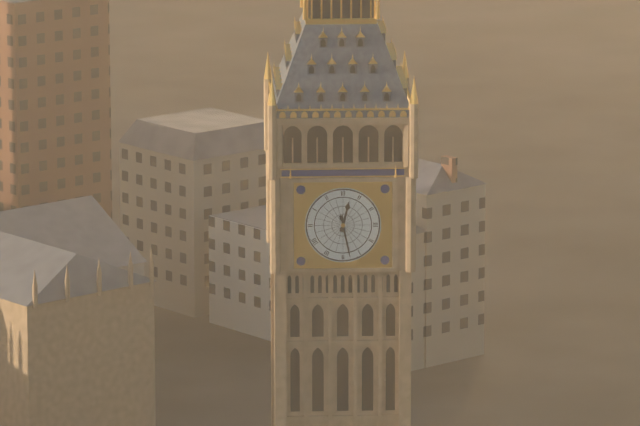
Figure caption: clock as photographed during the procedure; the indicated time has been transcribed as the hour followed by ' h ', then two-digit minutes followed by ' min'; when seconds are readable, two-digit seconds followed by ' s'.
12 h 28 min
